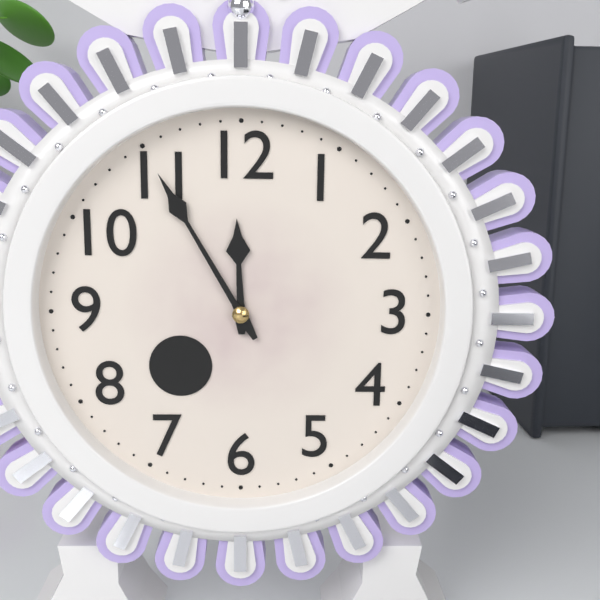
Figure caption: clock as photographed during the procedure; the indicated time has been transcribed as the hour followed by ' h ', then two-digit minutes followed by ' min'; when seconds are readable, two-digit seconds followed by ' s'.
11 h 55 min
